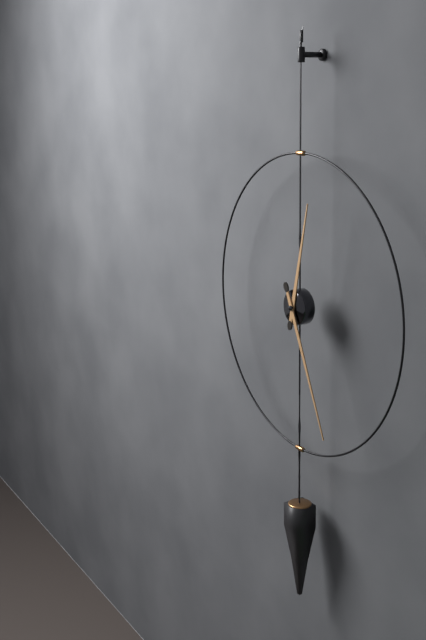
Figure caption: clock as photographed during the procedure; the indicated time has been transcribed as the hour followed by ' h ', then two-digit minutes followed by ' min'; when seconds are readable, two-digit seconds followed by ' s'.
12 h 26 min
